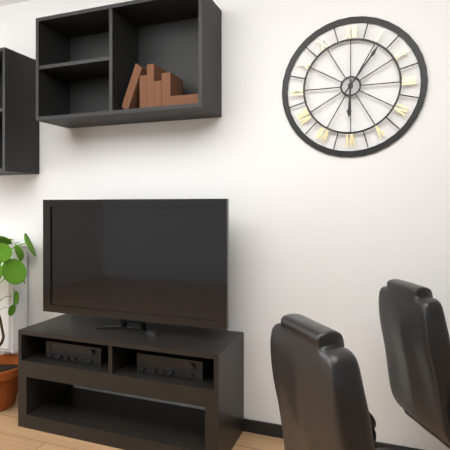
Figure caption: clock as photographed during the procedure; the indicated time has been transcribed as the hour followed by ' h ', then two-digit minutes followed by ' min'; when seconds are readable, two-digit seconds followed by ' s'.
6 h 06 min
